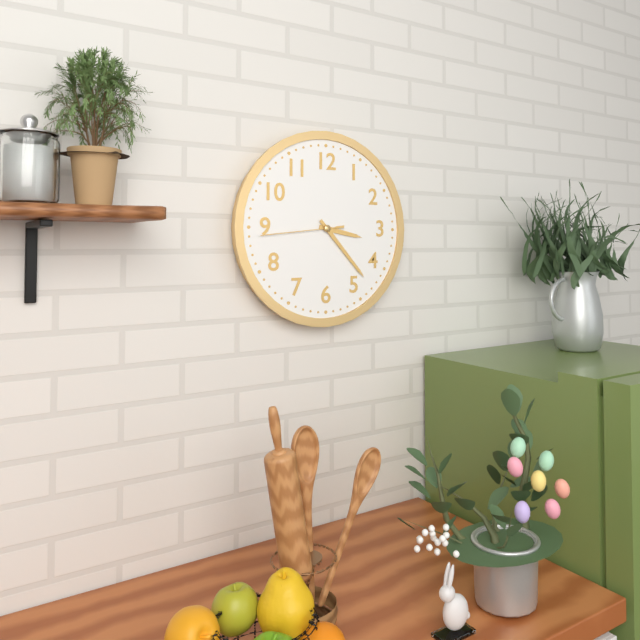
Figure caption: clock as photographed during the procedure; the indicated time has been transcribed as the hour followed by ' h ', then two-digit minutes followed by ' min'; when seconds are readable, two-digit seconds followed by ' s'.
3 h 23 min 44 s
